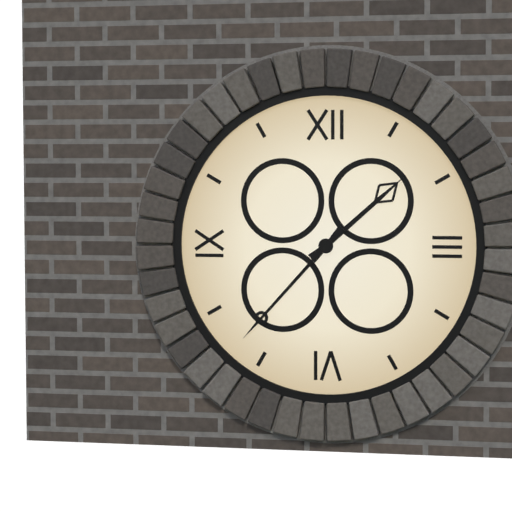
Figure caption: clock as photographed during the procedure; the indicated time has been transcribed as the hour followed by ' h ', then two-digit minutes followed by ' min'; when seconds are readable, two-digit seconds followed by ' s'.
1 h 37 min
